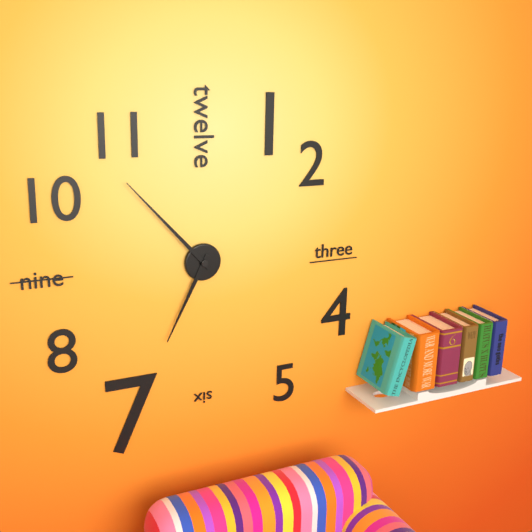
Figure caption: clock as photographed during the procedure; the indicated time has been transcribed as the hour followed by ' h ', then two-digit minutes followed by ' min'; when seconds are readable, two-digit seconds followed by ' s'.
6 h 53 min
